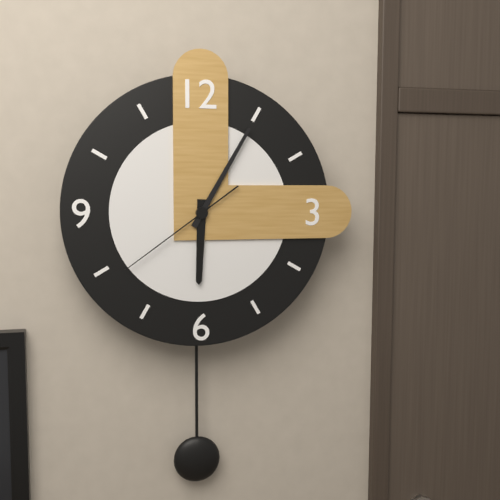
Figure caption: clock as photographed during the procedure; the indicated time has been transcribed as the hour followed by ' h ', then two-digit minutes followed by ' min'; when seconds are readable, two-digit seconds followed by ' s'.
6 h 05 min 39 s
